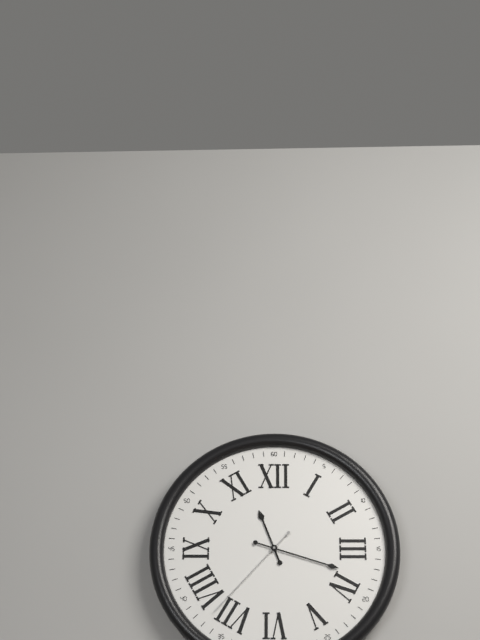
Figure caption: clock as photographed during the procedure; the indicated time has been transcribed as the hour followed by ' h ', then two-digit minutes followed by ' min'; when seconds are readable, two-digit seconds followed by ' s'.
11 h 18 min 37 s
